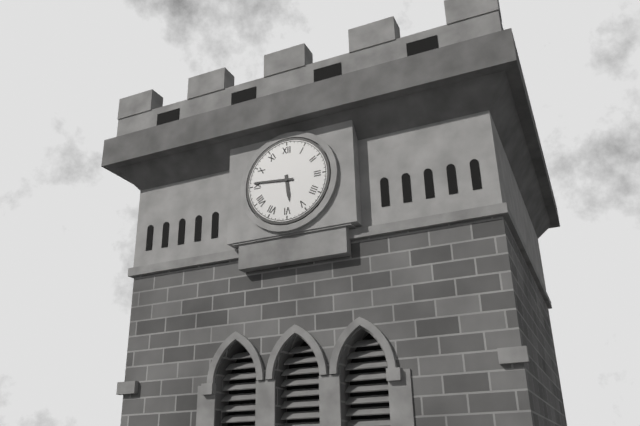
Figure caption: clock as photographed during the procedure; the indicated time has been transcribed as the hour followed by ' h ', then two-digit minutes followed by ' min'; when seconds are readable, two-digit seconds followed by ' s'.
5 h 46 min
